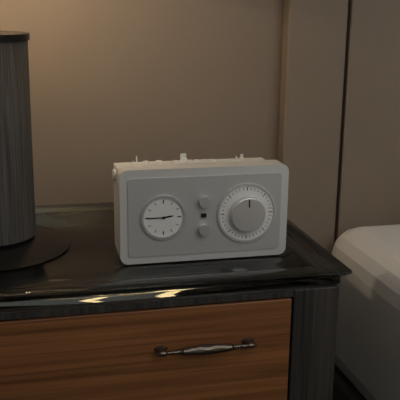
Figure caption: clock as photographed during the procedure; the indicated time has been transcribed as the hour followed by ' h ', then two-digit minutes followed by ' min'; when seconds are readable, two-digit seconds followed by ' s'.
2 h 45 min
